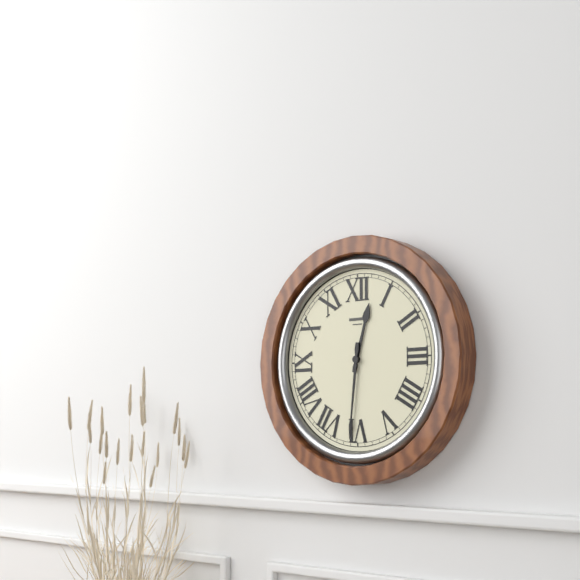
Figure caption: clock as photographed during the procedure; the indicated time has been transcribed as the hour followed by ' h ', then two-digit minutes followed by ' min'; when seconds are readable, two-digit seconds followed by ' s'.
12 h 31 min
